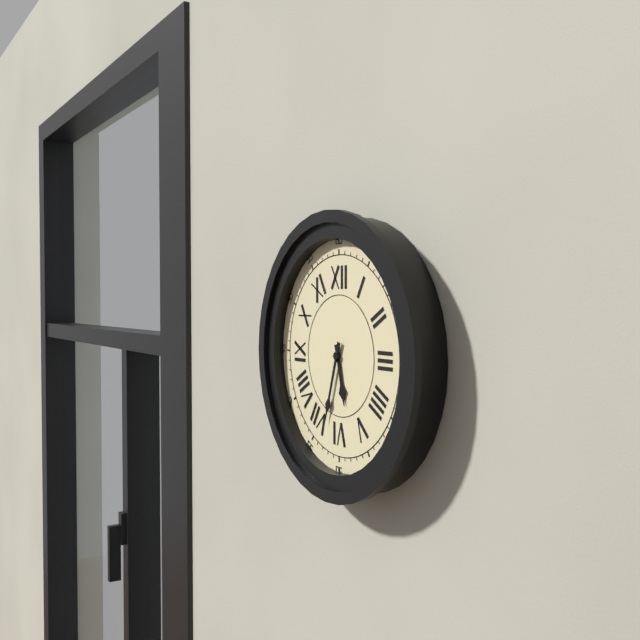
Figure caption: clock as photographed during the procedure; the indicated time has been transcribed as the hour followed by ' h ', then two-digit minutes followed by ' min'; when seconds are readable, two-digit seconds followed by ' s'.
5 h 33 min
